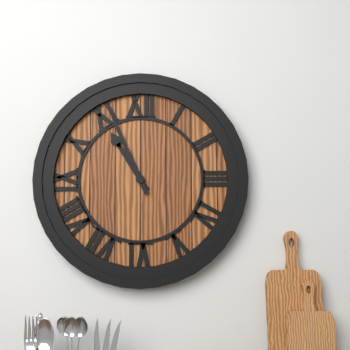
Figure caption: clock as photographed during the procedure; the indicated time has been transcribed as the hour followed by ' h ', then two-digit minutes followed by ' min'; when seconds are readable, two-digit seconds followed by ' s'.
10 h 56 min
